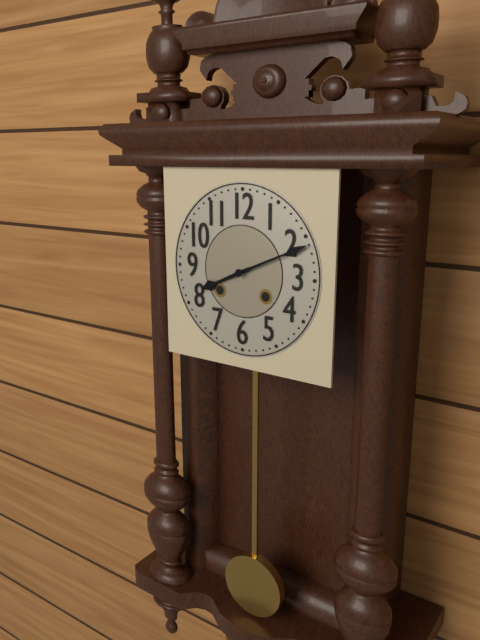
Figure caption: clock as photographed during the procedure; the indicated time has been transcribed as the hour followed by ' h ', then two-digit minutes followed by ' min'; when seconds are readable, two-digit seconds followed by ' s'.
8 h 11 min
